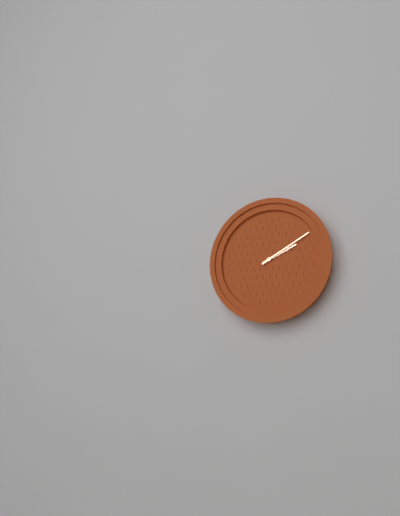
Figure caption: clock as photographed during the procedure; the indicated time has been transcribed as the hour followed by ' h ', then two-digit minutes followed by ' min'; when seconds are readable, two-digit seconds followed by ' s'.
2 h 10 min
